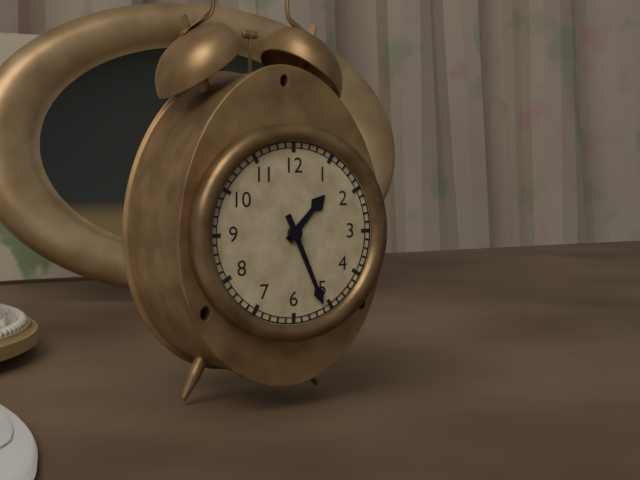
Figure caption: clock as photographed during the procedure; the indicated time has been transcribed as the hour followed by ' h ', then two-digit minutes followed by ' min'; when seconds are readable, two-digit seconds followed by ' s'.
1 h 26 min
